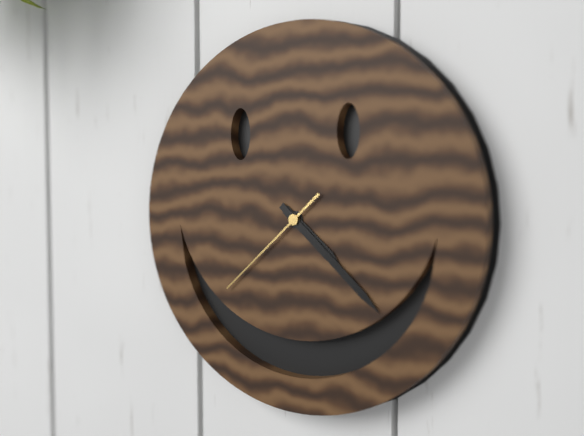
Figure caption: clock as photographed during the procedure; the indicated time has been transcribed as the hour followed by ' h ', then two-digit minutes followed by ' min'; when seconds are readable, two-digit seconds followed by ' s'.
4 h 22 min 38 s
